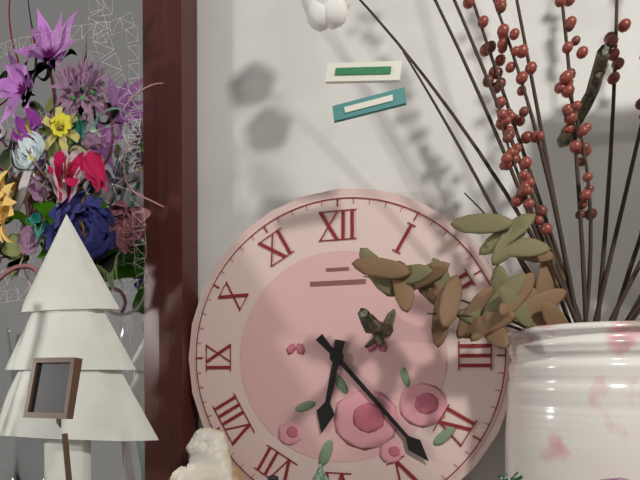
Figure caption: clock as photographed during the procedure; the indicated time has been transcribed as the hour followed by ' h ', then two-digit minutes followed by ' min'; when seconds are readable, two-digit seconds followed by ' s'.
6 h 23 min
